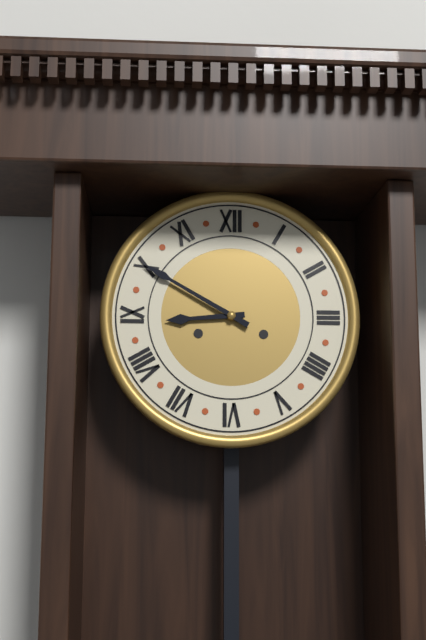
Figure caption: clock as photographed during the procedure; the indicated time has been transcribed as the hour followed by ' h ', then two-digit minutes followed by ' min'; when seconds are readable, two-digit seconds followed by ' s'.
8 h 50 min
